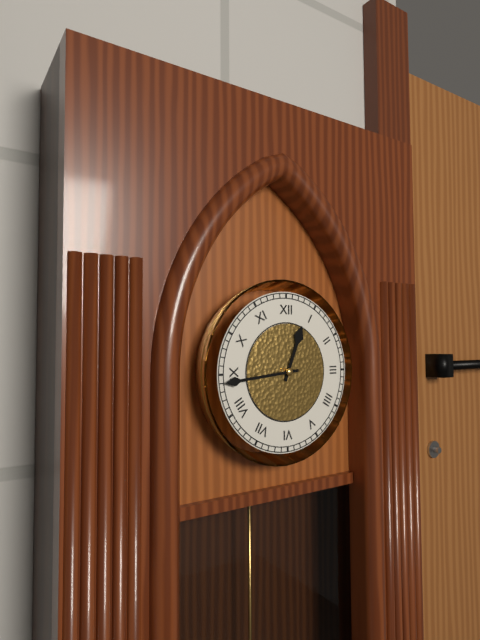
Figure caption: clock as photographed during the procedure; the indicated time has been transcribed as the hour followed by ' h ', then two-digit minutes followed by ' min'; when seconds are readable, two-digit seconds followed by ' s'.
12 h 44 min
